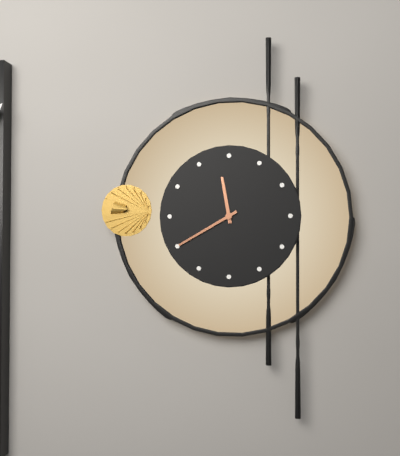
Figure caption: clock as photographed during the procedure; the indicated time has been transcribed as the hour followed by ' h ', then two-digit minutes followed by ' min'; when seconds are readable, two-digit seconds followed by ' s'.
11 h 40 min
